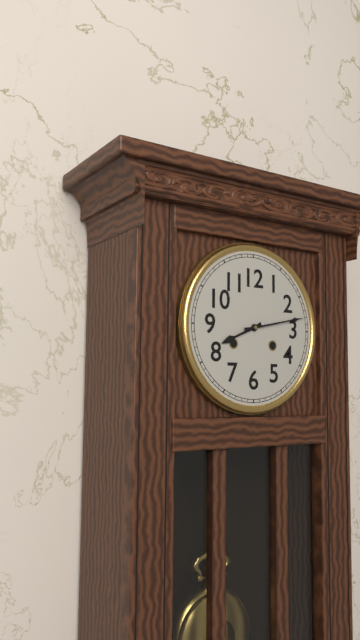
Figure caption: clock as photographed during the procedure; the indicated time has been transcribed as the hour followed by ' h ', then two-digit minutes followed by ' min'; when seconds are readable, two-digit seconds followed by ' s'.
8 h 13 min
